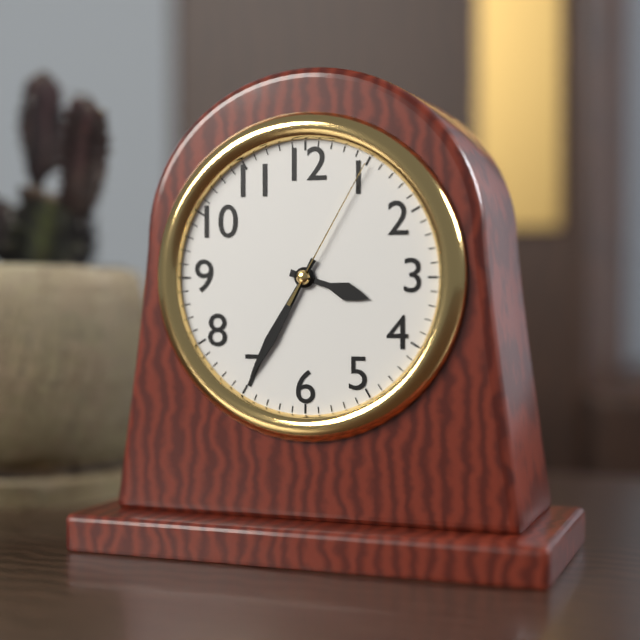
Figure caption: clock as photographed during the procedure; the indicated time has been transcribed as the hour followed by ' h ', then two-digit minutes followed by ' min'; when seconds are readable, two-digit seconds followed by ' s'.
3 h 35 min 05 s
